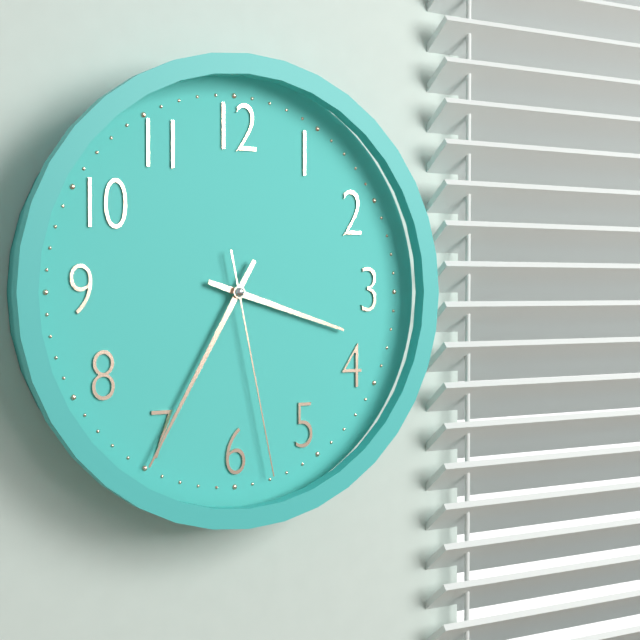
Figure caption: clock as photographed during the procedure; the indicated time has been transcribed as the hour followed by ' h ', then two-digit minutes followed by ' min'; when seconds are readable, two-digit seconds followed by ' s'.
3 h 35 min 28 s
